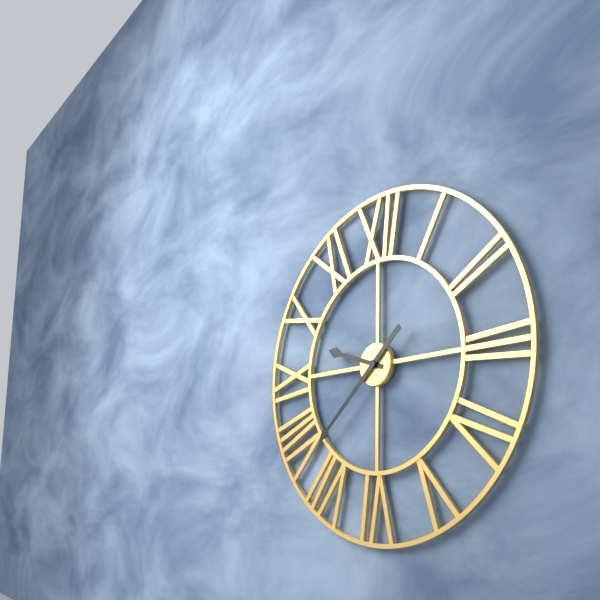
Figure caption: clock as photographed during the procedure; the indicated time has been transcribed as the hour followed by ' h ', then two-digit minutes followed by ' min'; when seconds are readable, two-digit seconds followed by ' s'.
9 h 38 min
